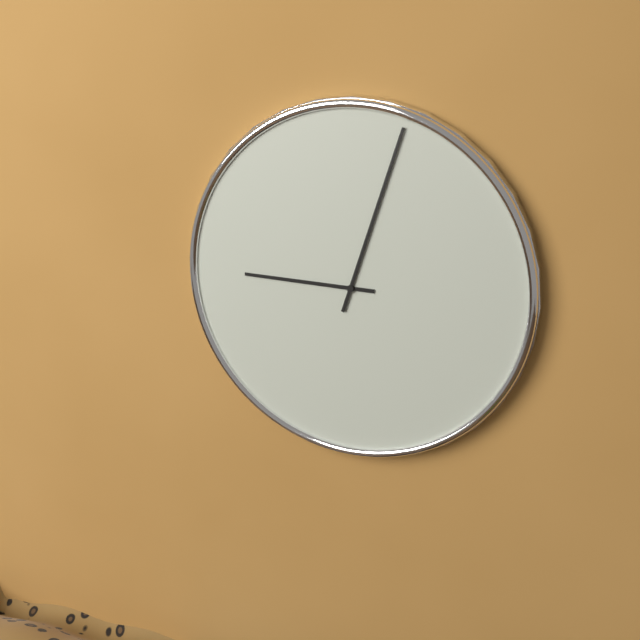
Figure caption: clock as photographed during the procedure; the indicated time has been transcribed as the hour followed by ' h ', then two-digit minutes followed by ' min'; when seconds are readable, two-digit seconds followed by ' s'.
9 h 03 min
